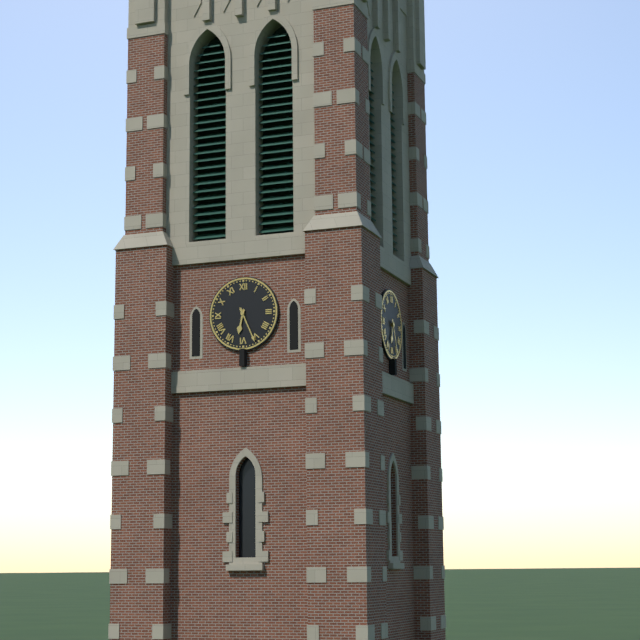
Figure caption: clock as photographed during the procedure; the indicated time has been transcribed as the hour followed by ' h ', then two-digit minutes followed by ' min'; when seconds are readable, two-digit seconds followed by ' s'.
6 h 26 min
